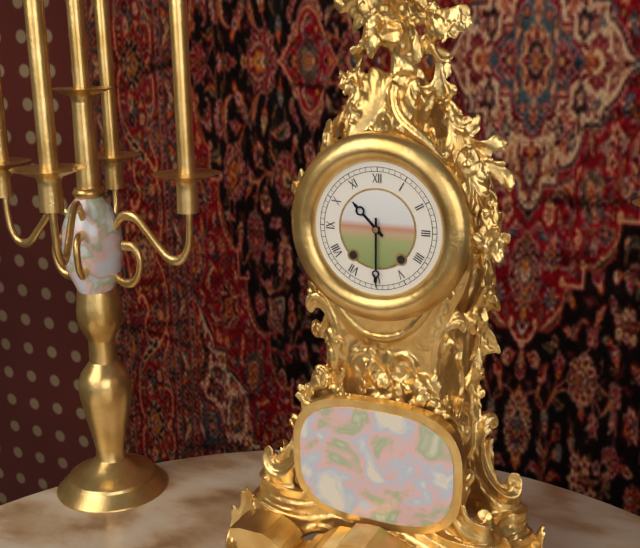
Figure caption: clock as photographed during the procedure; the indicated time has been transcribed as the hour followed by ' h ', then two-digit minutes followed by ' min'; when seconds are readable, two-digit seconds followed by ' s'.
10 h 30 min
